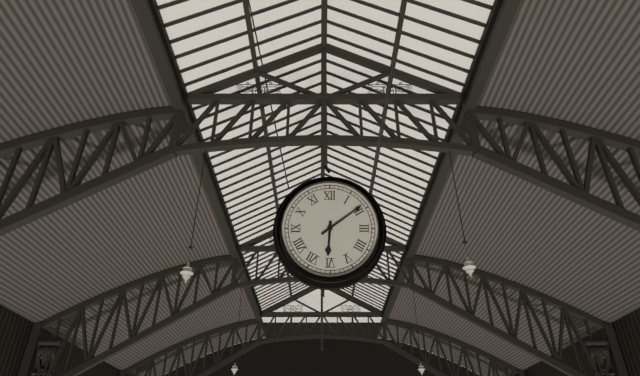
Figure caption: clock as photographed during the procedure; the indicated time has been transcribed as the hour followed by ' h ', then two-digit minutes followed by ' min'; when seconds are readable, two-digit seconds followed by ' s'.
6 h 09 min
